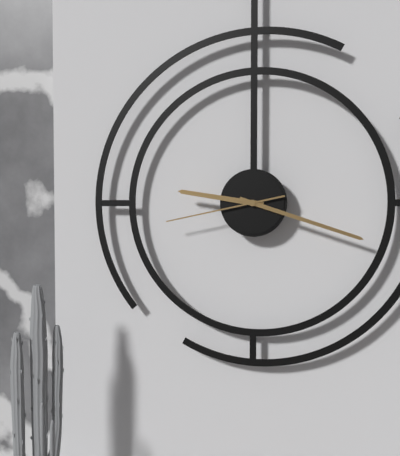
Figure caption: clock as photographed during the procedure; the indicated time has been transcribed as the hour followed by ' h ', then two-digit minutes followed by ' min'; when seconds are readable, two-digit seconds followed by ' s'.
9 h 18 min 43 s
